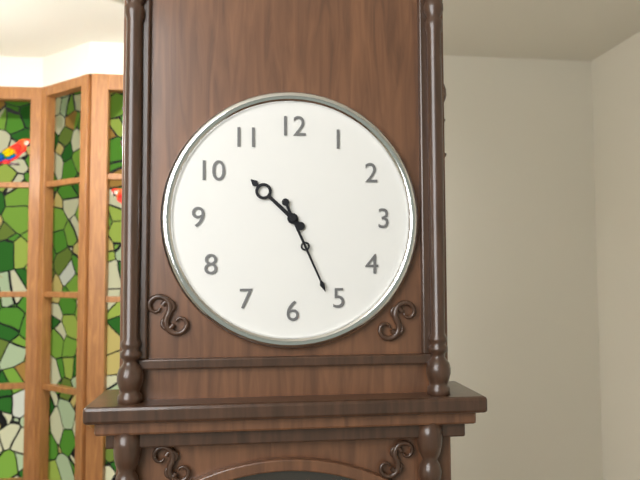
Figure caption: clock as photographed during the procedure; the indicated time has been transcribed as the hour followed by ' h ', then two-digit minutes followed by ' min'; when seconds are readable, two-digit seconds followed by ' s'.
10 h 26 min
